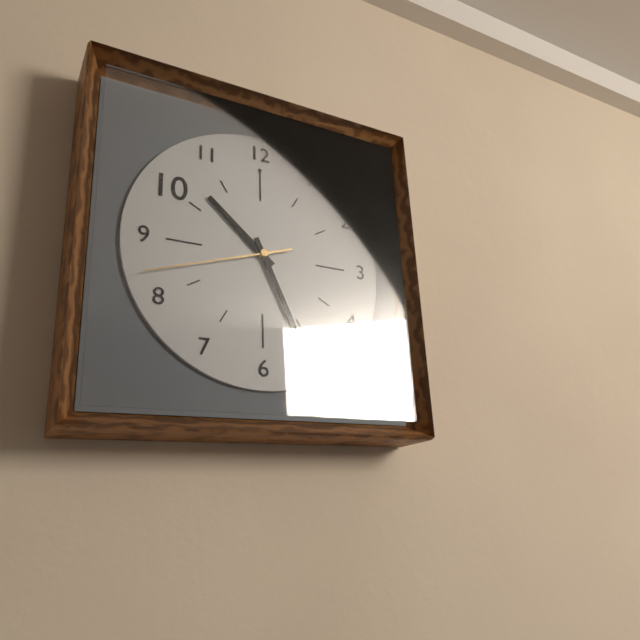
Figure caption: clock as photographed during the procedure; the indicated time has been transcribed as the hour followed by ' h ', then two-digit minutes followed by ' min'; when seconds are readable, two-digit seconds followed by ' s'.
10 h 26 min 42 s
